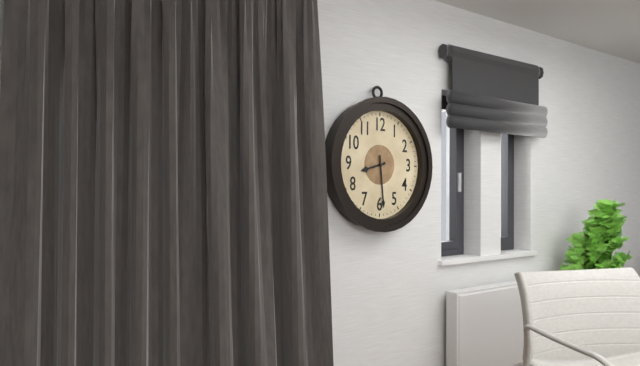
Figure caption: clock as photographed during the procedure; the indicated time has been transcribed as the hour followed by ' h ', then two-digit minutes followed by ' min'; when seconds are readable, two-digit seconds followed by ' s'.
8 h 29 min
